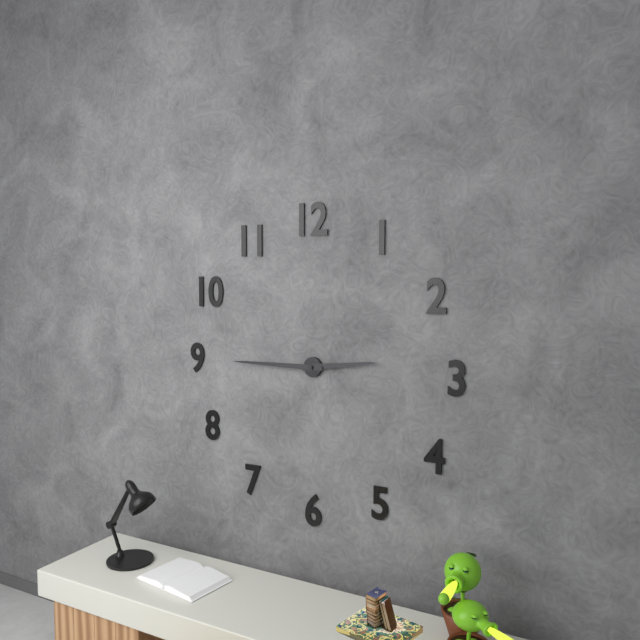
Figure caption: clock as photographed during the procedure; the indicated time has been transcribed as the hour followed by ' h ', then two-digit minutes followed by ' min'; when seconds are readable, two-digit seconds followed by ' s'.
2 h 45 min
